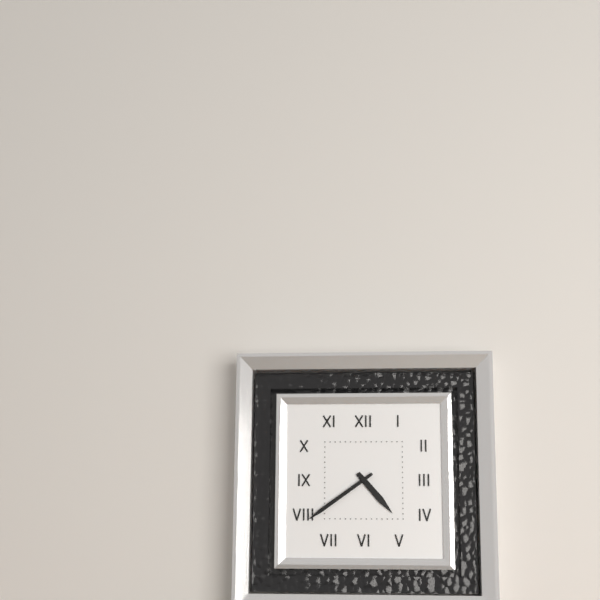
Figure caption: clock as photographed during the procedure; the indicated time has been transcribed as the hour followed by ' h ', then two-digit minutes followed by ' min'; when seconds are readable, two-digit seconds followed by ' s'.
4 h 39 min
